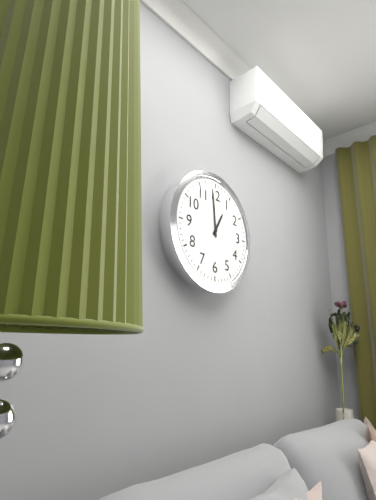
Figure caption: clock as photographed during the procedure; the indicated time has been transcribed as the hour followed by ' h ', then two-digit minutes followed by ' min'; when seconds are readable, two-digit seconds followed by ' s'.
12 h 59 min
